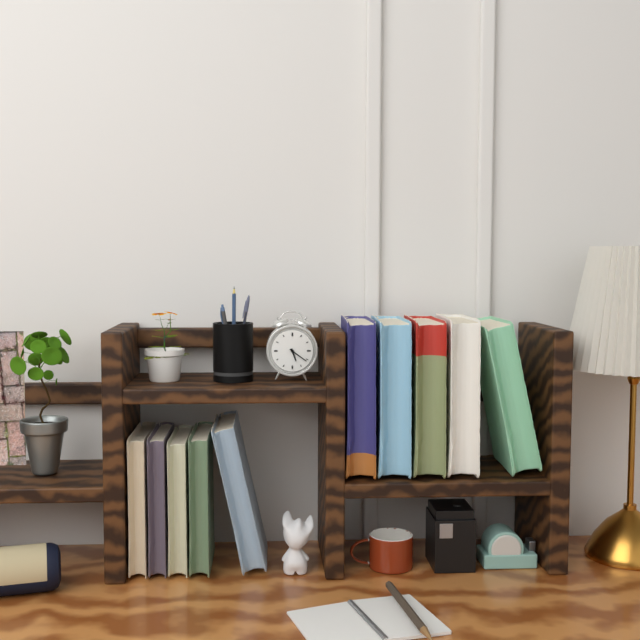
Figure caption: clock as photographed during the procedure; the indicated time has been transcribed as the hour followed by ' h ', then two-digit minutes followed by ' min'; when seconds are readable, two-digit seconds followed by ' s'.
5 h 21 min
